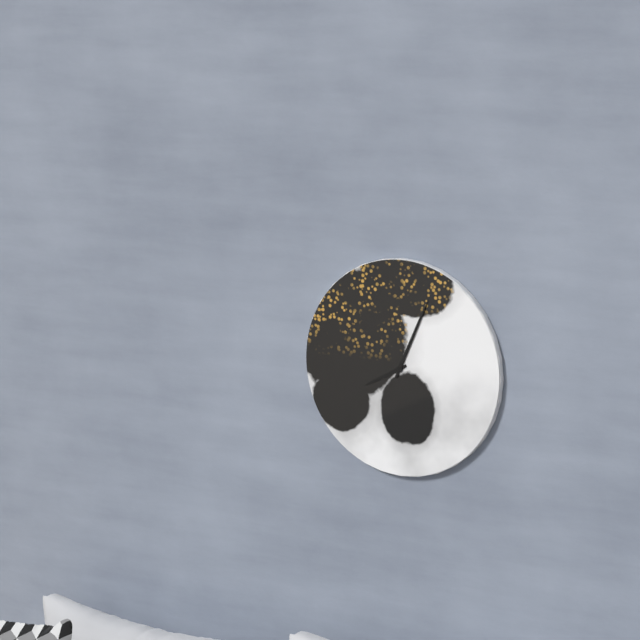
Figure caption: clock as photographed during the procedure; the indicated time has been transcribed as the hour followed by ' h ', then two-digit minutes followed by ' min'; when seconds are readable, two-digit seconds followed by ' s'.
8 h 04 min
